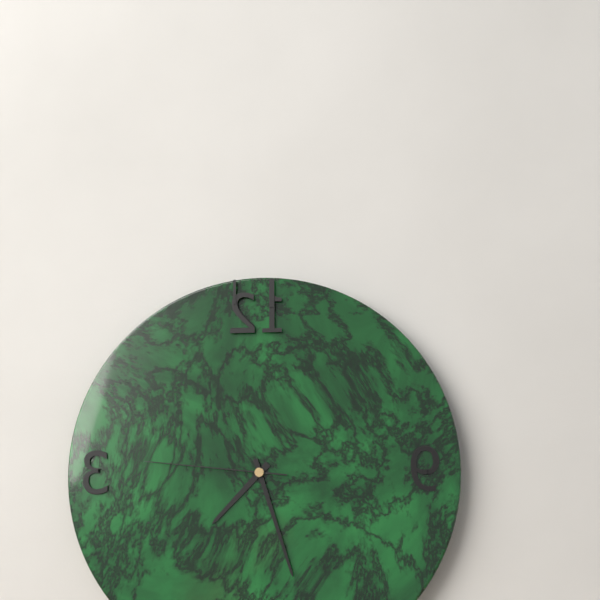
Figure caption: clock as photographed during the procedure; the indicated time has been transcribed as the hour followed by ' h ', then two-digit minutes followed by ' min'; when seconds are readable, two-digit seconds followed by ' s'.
7 h 27 min 46 s
